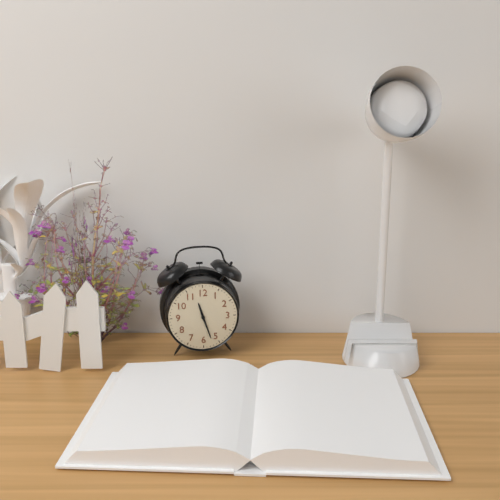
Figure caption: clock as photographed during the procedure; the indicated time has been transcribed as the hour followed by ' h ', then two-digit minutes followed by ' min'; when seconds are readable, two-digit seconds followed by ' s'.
11 h 27 min
